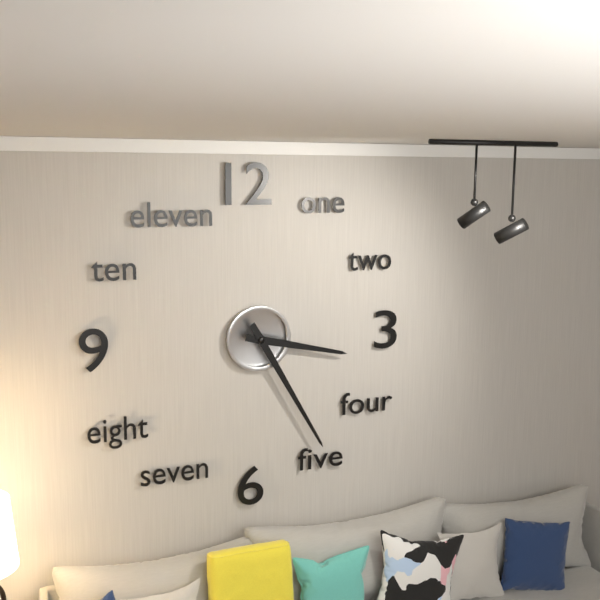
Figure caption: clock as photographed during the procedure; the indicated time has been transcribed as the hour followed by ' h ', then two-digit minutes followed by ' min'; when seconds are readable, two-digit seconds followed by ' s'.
3 h 25 min
